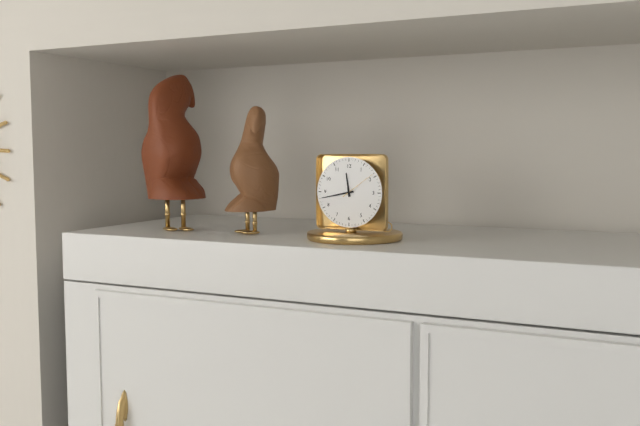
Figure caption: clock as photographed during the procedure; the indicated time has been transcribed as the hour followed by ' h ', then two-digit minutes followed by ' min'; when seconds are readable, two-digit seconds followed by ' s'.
11 h 43 min
